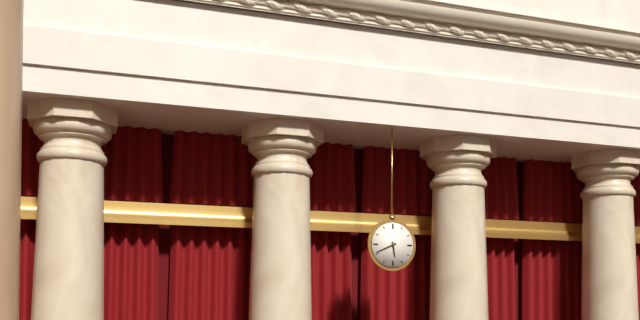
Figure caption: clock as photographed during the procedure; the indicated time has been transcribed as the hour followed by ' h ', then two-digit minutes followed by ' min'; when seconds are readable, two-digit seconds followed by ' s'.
5 h 41 min
